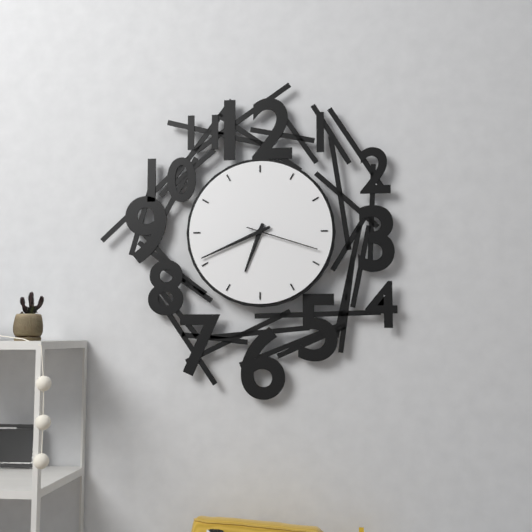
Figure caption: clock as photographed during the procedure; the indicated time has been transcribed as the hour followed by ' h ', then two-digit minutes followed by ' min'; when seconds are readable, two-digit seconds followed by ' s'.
6 h 41 min 18 s
